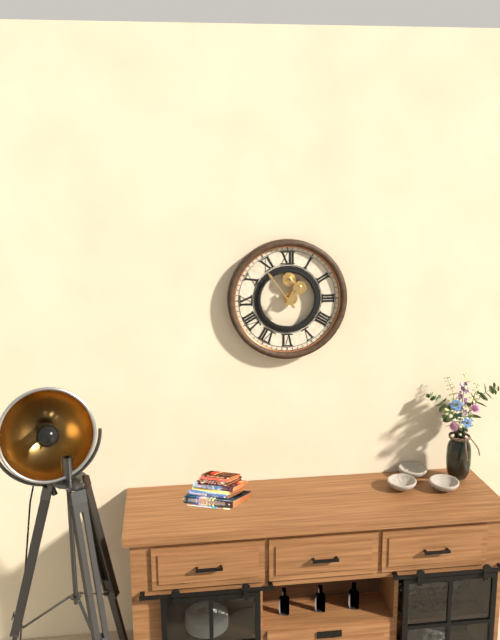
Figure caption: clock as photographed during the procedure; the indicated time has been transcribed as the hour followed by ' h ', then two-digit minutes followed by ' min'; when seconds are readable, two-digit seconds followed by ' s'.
12 h 54 min
